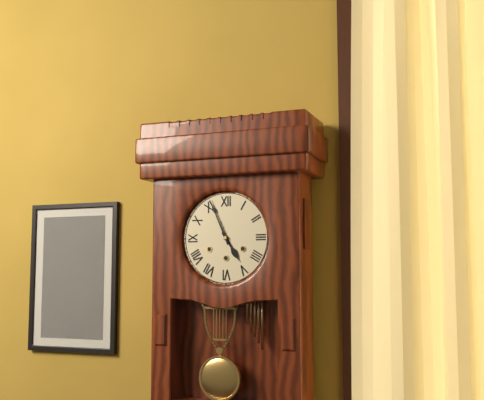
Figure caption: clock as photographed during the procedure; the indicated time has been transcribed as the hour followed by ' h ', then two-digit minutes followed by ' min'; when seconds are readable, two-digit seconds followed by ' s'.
4 h 56 min
